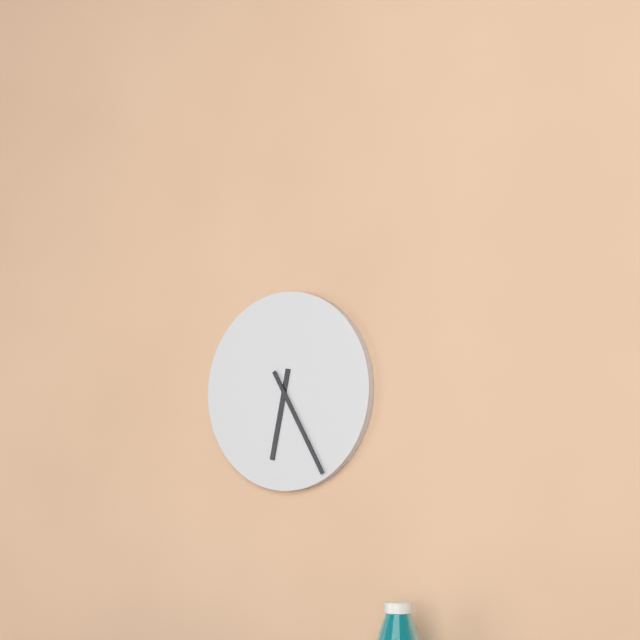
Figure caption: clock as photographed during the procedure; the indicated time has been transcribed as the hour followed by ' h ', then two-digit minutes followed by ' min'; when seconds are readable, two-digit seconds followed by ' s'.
6 h 25 min
